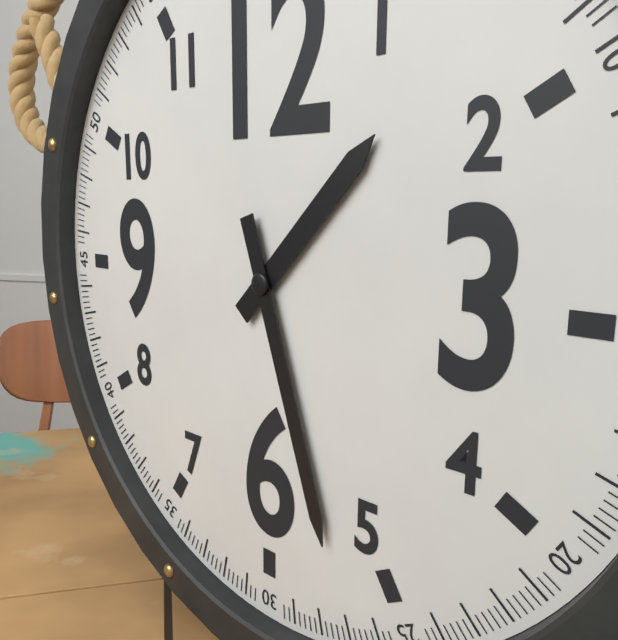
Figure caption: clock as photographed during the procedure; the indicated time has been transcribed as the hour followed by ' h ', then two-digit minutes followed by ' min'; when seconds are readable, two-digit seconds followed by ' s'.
1 h 27 min
